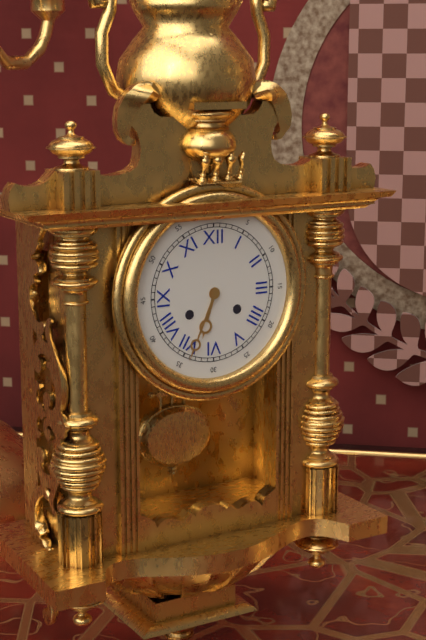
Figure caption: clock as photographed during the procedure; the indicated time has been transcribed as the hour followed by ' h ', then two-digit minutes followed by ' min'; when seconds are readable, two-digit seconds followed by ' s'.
6 h 34 min
